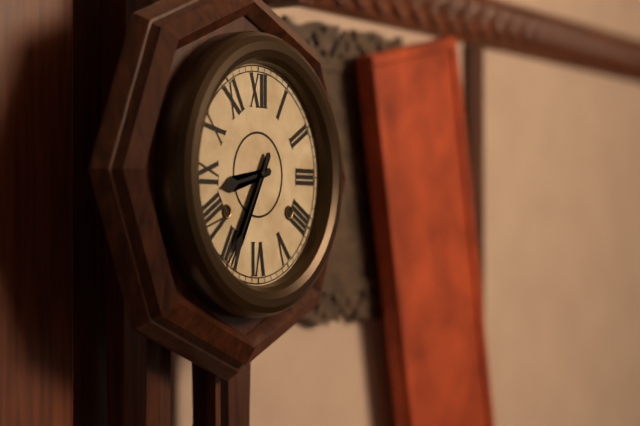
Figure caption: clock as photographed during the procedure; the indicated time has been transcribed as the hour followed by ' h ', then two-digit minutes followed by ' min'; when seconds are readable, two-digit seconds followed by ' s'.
8 h 35 min
